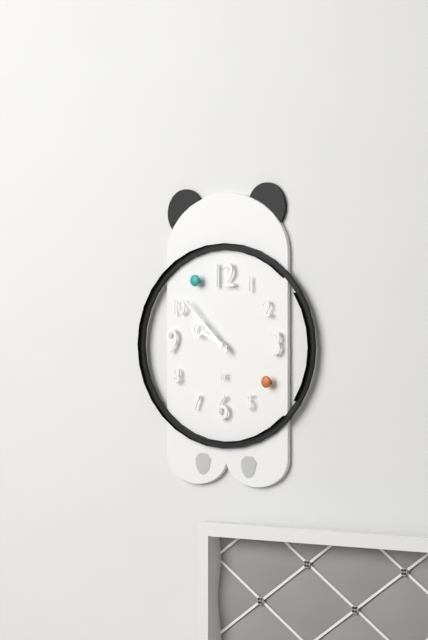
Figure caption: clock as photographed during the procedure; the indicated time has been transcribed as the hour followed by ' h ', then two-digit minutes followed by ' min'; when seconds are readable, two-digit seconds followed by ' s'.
9 h 52 min
